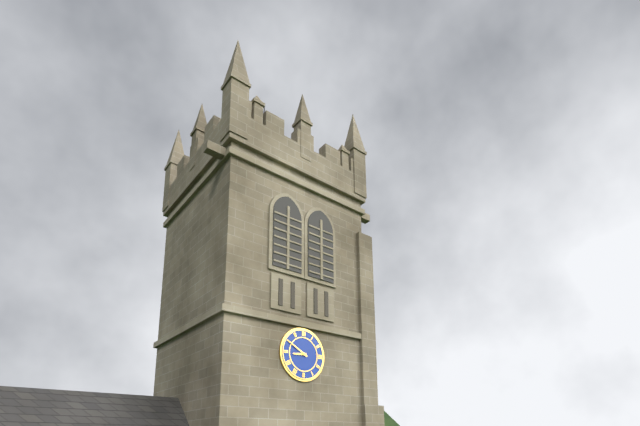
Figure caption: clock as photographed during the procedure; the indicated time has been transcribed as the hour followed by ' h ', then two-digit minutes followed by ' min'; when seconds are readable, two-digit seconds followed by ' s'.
8 h 50 min
